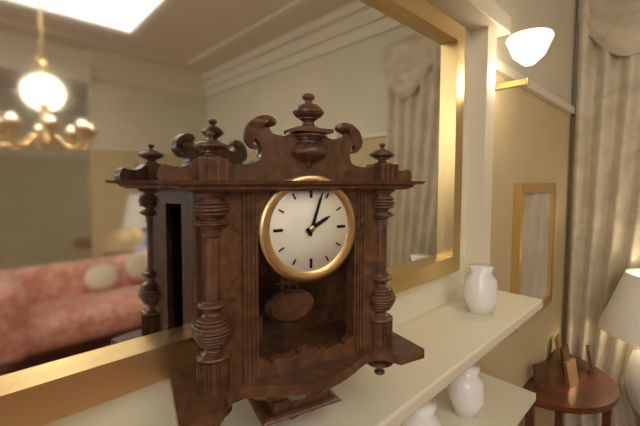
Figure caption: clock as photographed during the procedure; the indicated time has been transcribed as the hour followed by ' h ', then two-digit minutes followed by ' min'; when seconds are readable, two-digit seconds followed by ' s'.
2 h 03 min
